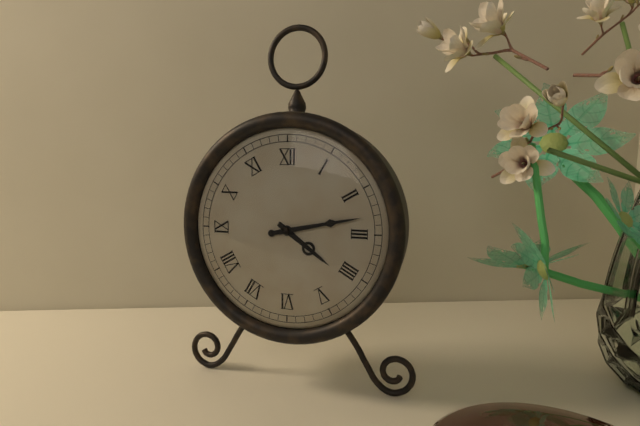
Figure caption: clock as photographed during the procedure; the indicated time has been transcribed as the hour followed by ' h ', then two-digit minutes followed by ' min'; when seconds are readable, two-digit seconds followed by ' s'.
4 h 13 min
